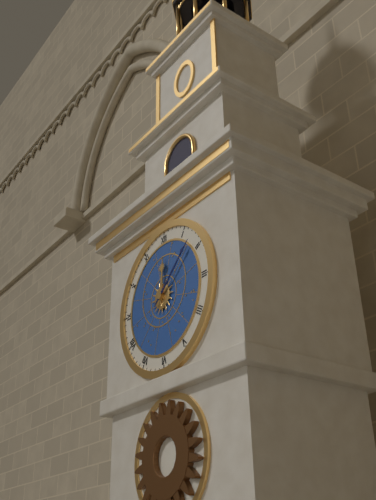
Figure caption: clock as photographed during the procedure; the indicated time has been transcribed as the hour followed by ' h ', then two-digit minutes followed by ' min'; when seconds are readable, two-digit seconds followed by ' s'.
12 h 08 min
